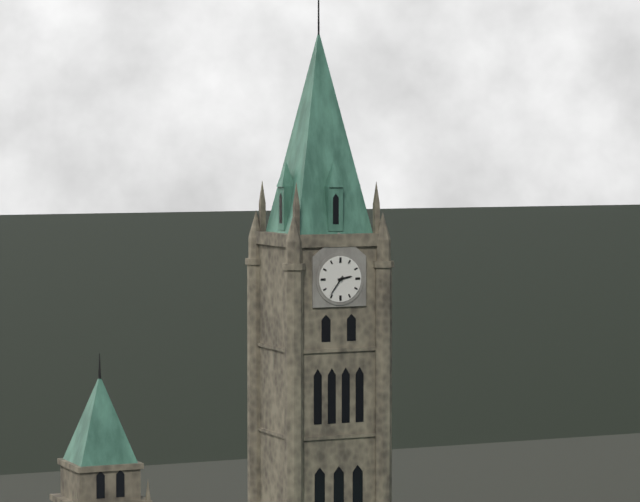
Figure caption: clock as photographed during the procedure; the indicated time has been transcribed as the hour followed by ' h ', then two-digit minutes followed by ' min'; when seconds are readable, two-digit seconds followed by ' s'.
2 h 36 min
